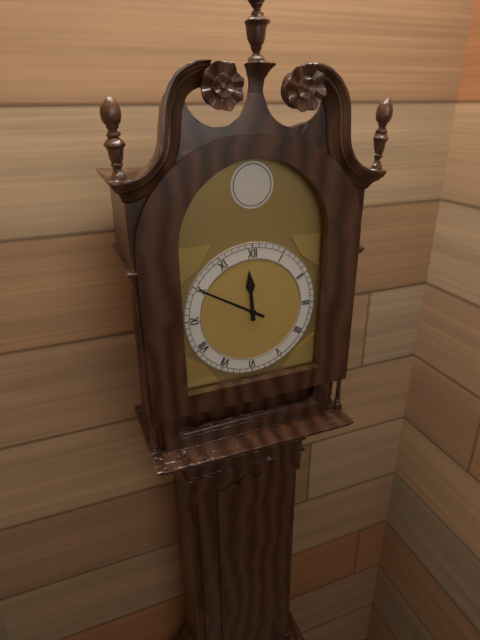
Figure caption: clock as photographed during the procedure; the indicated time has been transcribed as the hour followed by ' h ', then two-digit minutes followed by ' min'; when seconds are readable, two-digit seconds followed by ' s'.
11 h 50 min
